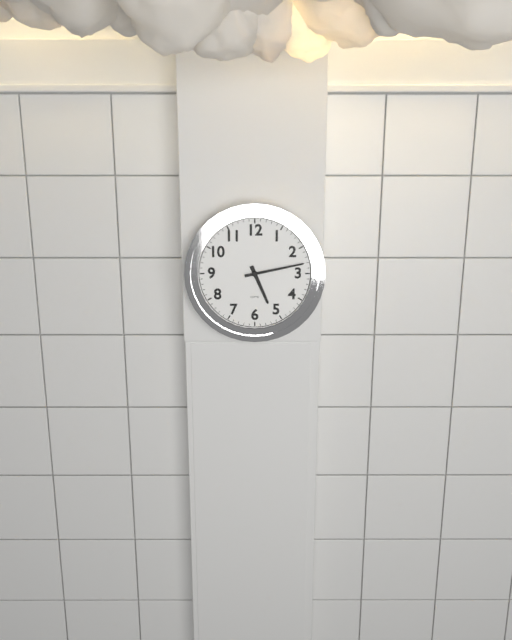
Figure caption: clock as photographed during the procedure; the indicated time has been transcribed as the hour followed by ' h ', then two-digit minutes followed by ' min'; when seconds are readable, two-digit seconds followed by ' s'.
5 h 13 min
